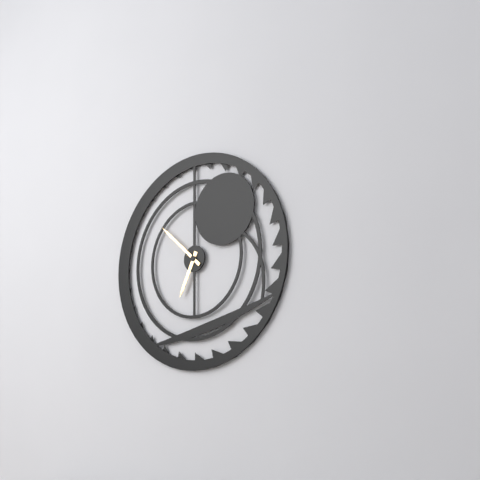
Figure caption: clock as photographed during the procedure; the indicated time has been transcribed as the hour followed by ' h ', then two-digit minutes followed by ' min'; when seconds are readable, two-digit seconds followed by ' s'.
6 h 52 min
